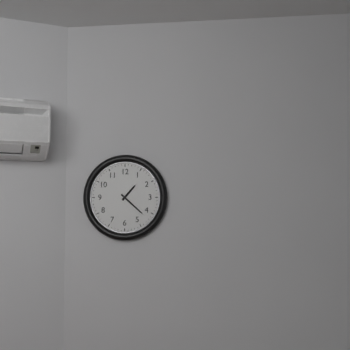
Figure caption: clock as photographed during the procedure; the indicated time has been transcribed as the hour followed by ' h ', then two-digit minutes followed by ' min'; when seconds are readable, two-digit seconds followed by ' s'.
1 h 22 min
